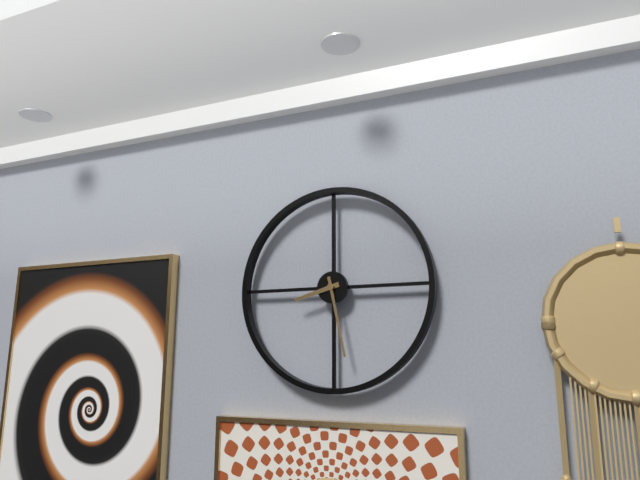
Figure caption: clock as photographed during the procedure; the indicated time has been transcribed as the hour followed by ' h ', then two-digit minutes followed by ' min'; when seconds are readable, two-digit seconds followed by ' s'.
8 h 28 min
